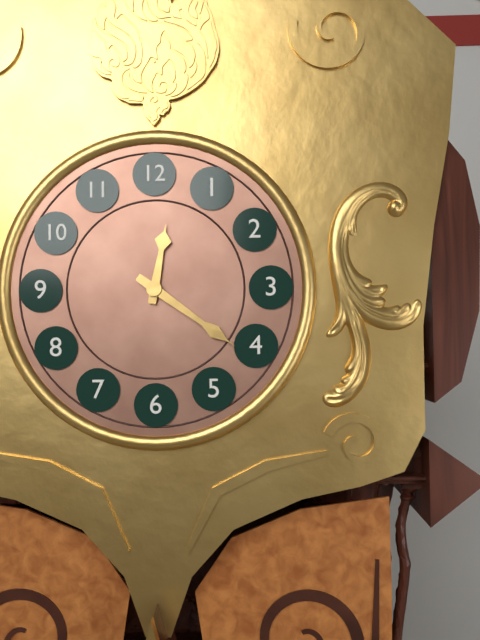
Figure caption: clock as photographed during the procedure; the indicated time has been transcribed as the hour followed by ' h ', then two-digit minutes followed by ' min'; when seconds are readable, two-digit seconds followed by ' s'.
12 h 21 min
